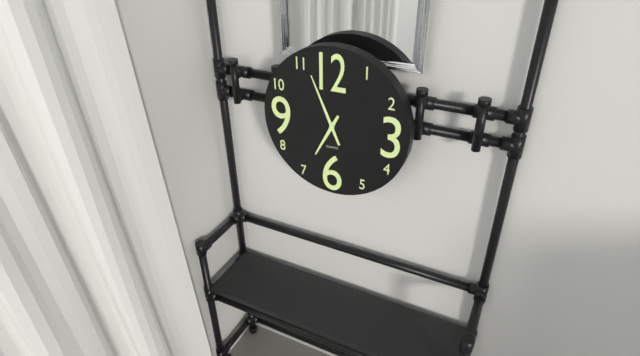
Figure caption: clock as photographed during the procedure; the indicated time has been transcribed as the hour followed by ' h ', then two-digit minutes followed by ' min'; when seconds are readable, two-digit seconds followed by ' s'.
6 h 56 min
